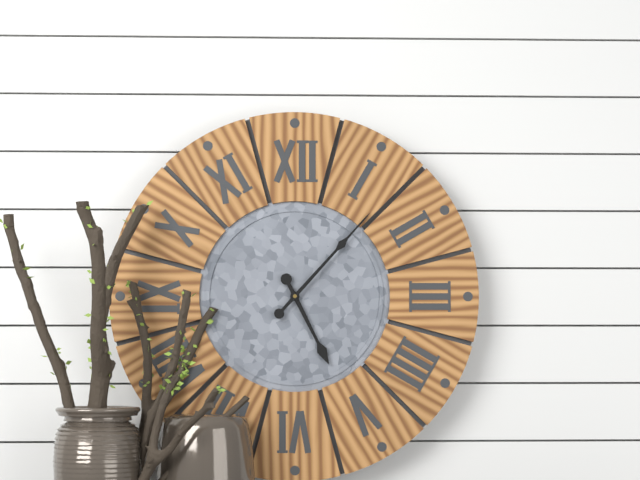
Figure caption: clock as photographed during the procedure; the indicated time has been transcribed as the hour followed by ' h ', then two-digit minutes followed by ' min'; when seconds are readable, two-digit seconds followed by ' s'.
5 h 07 min
